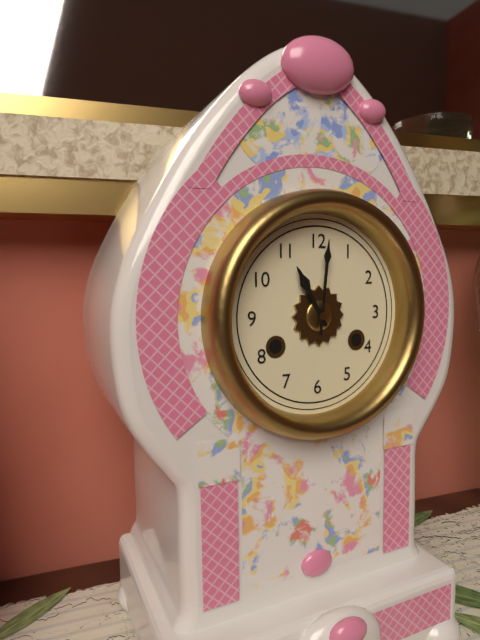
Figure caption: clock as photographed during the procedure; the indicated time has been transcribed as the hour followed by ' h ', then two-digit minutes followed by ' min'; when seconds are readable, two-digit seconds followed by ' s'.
11 h 01 min
